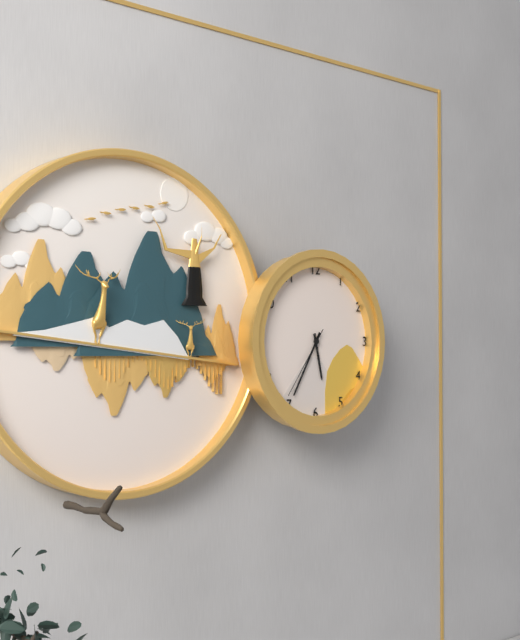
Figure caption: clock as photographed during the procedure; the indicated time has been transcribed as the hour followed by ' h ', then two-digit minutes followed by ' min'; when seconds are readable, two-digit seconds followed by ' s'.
5 h 35 min 36 s
